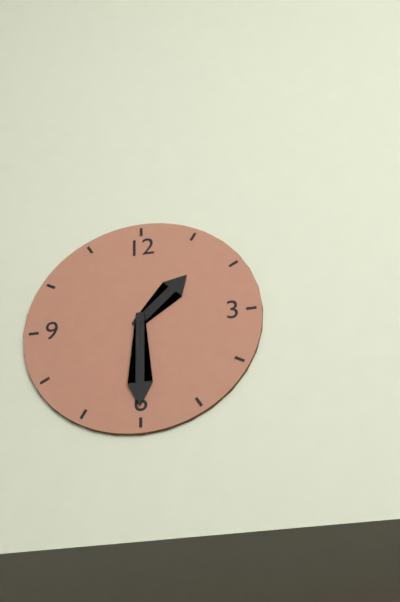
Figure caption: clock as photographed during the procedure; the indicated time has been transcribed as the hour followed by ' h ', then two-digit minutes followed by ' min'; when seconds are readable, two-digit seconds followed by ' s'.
1 h 30 min
